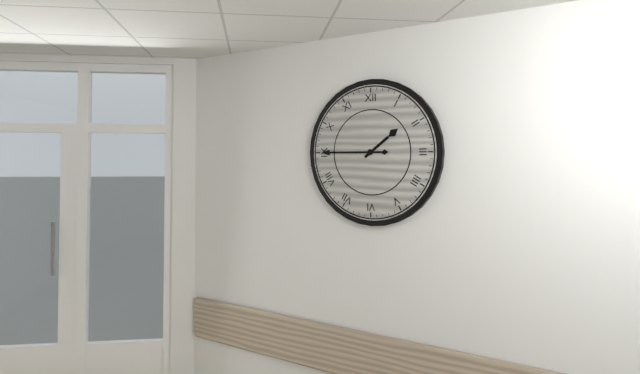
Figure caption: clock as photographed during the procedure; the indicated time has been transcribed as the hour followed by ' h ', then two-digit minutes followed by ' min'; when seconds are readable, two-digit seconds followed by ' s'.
1 h 45 min
